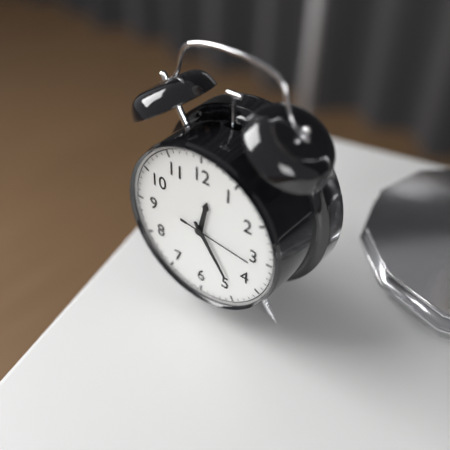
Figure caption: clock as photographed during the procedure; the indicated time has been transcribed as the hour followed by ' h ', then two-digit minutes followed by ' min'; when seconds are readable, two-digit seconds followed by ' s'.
12 h 24 min 16 s
